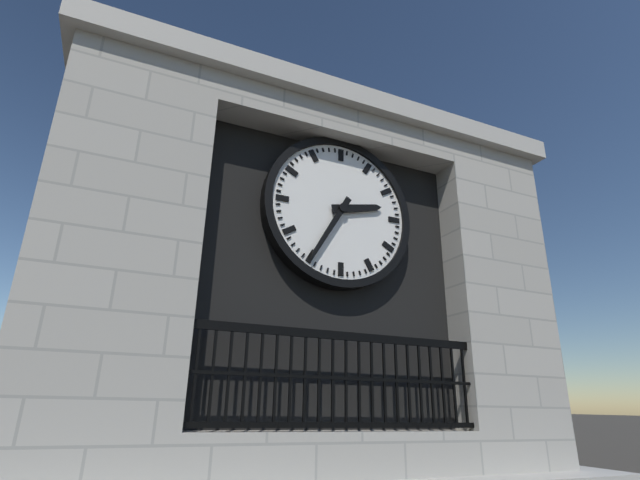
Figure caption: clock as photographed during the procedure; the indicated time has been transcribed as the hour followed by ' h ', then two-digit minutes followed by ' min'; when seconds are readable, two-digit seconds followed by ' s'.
2 h 35 min
